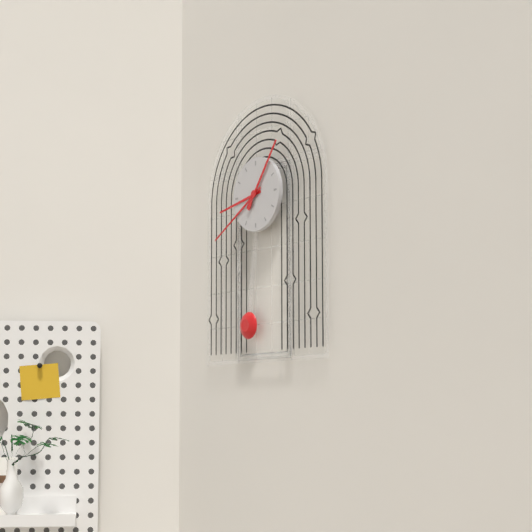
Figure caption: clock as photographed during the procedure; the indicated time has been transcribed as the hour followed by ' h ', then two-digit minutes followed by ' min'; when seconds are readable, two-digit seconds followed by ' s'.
8 h 40 min 06 s
